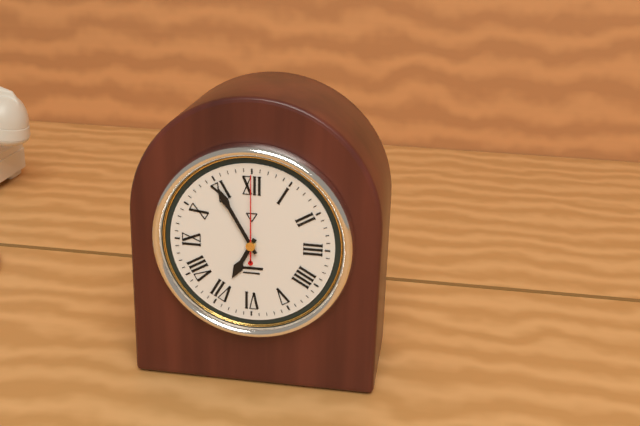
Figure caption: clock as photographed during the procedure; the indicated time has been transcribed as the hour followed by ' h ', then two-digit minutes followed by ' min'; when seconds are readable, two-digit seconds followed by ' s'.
6 h 55 min 00 s
